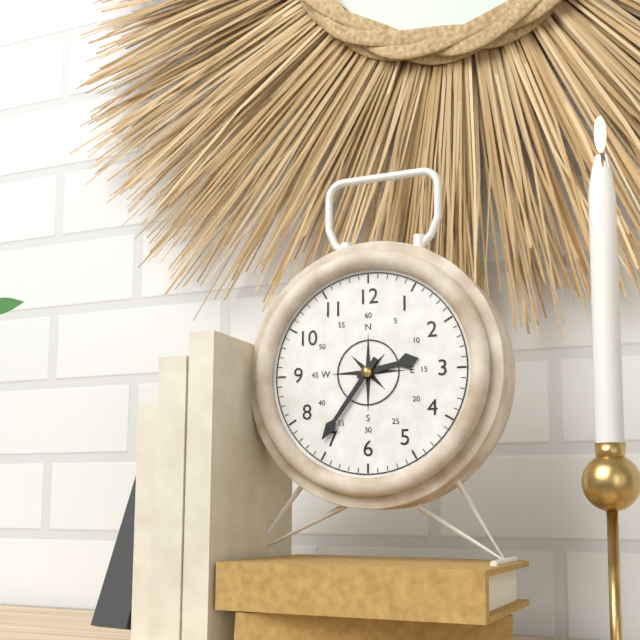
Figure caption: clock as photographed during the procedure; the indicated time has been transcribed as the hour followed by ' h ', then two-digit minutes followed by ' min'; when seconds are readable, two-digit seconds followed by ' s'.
2 h 36 min
